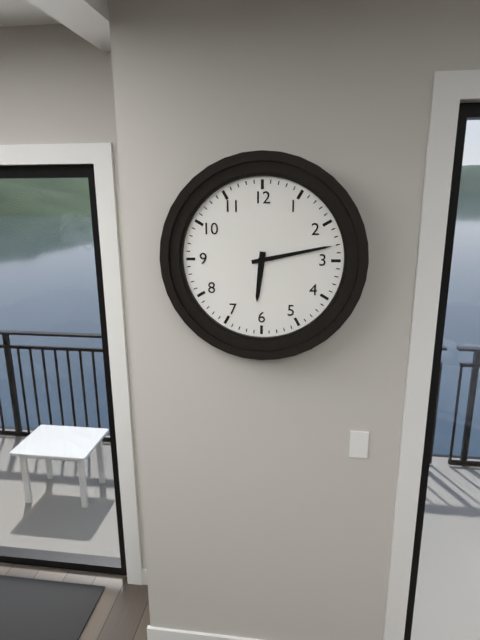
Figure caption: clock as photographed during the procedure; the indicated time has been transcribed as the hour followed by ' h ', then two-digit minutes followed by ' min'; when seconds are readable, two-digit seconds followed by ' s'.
6 h 13 min
